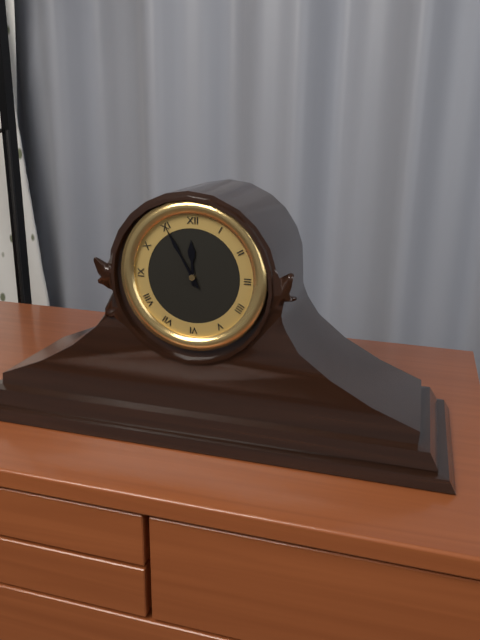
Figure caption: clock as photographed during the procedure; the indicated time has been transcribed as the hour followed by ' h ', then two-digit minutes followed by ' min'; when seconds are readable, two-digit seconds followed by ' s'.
11 h 55 min
